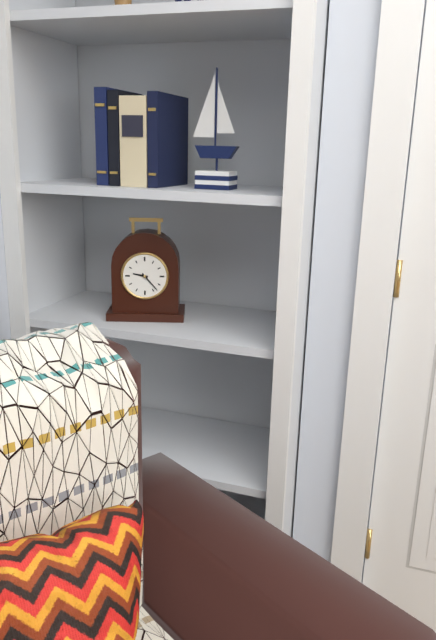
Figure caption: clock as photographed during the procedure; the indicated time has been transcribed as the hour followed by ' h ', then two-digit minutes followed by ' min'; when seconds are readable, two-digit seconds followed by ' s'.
9 h 23 min
